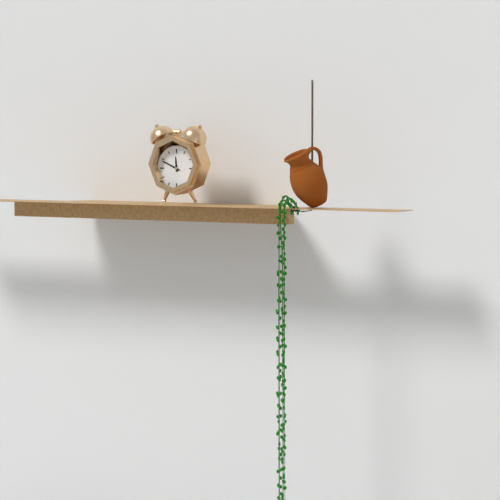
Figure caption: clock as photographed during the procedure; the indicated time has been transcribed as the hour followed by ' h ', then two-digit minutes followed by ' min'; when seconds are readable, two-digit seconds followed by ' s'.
11 h 49 min
